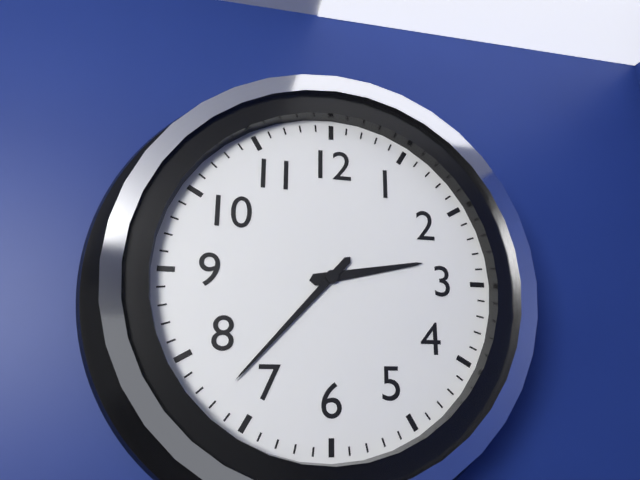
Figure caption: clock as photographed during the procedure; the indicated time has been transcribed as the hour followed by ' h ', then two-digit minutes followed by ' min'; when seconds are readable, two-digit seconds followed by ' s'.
2 h 37 min
